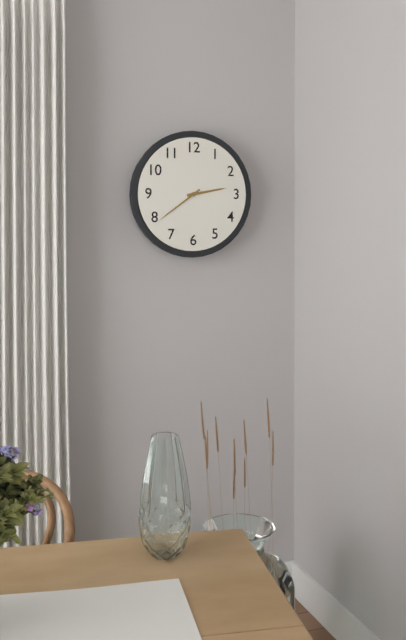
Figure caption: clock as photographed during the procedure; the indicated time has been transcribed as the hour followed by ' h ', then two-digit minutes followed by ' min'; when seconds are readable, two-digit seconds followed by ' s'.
2 h 39 min
